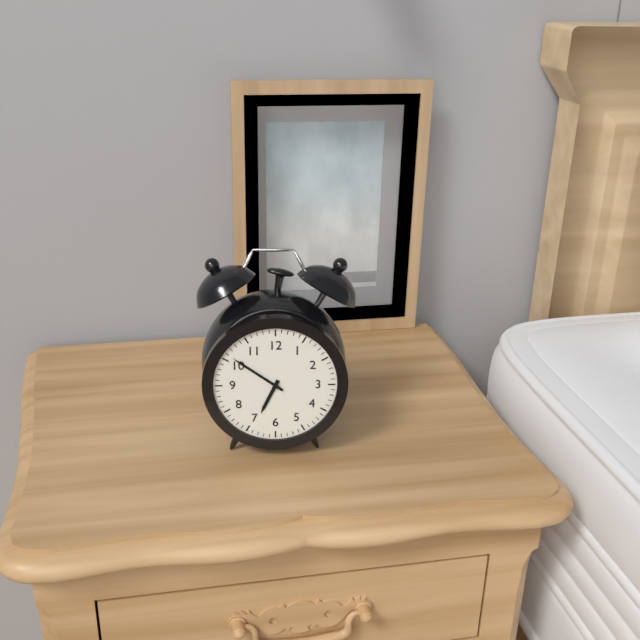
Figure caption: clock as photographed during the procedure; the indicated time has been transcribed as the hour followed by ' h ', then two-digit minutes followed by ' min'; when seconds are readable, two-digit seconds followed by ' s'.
6 h 51 min
